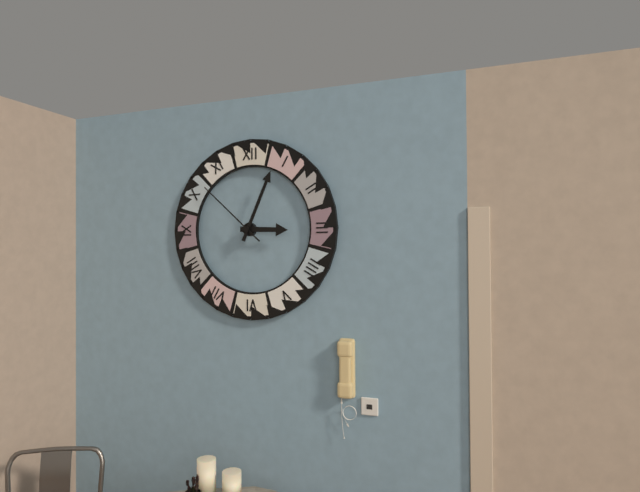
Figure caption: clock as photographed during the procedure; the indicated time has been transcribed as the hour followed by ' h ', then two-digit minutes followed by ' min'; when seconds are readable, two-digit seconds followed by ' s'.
3 h 04 min 52 s
